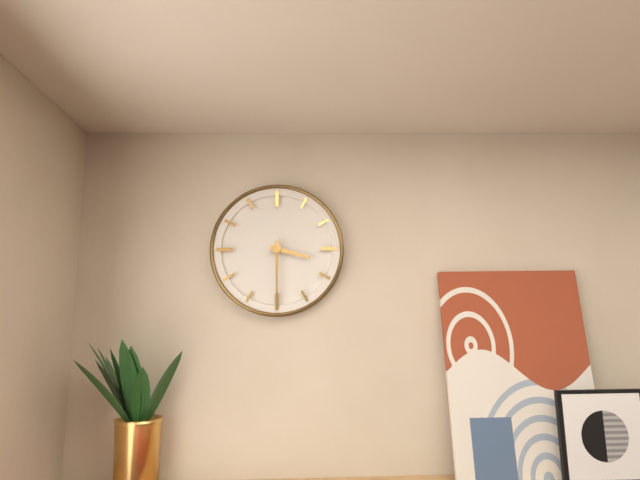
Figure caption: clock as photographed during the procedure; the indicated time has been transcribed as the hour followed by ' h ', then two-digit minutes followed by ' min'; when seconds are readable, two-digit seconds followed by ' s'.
3 h 30 min
